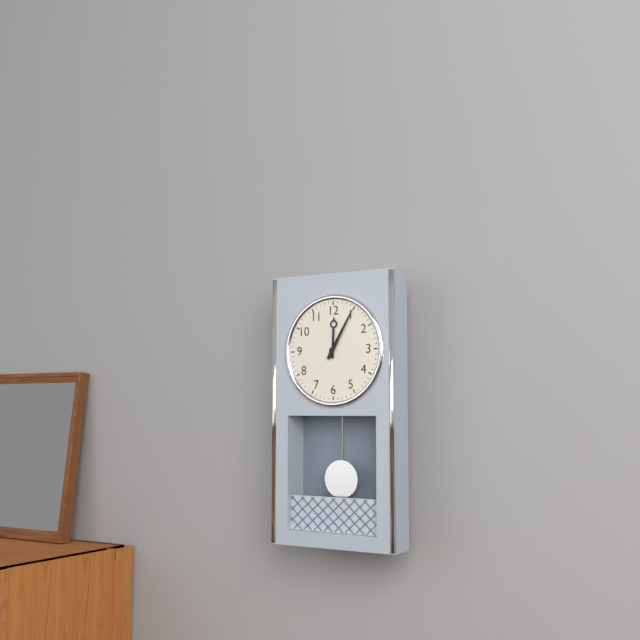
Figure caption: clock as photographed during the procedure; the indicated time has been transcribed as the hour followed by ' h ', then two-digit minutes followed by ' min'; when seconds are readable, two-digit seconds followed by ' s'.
12 h 05 min
